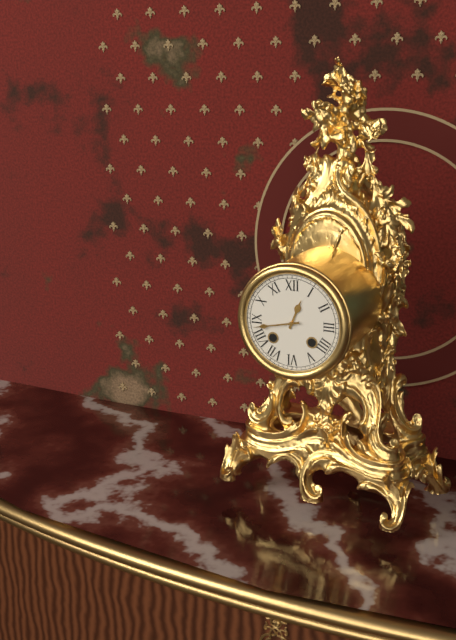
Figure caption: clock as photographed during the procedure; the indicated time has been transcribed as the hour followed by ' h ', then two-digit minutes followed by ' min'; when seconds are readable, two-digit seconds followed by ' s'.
12 h 43 min
